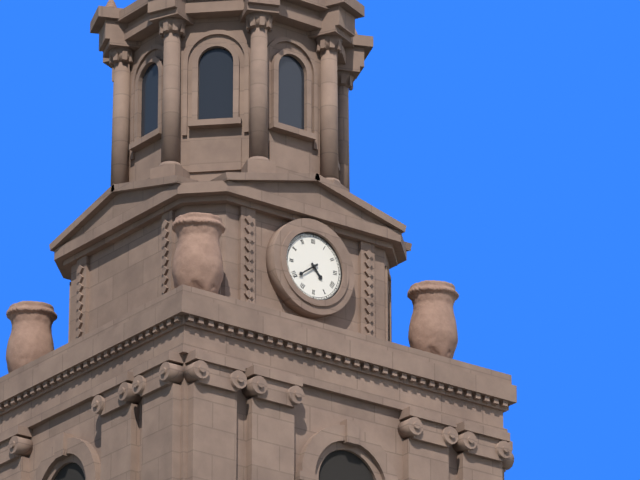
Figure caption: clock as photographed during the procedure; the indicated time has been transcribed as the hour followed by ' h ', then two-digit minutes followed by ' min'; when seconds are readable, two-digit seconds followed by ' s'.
4 h 39 min
